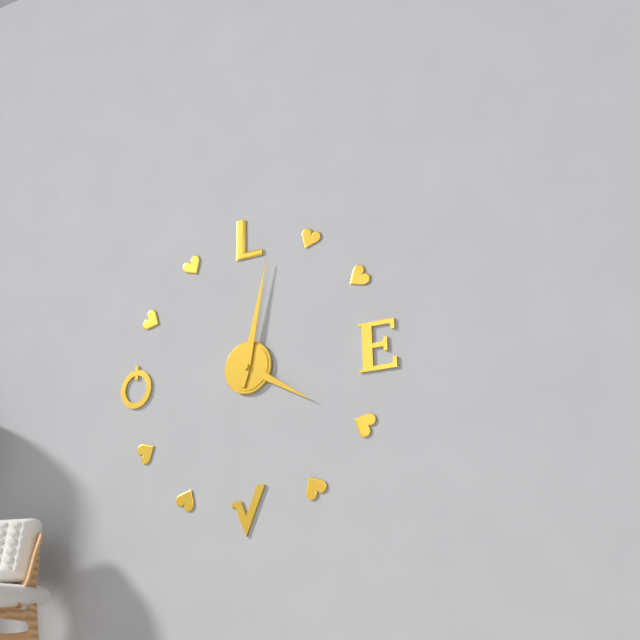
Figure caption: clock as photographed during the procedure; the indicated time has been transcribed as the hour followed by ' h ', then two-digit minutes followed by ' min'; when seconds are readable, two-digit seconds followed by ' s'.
4 h 02 min
